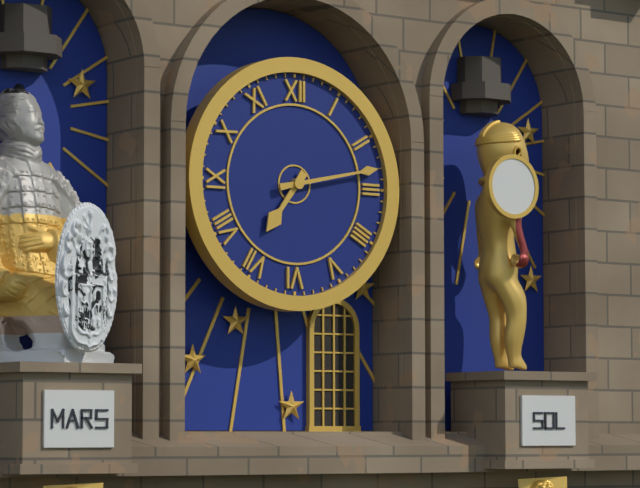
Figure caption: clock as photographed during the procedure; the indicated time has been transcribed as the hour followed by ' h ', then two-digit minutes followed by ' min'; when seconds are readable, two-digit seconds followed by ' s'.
7 h 13 min
